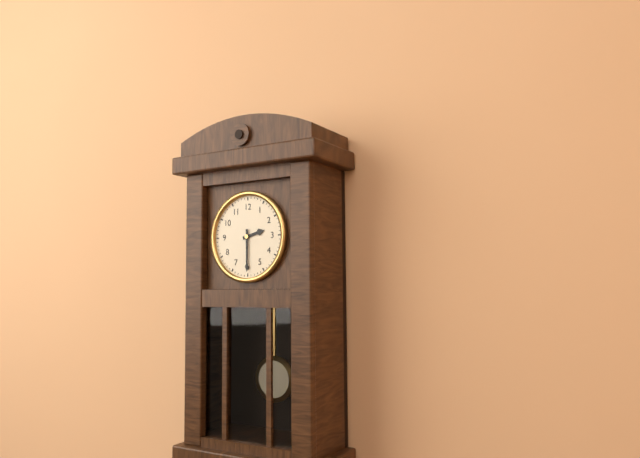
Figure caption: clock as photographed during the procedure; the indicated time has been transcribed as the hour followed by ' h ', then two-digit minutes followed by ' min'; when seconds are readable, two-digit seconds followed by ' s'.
2 h 30 min
